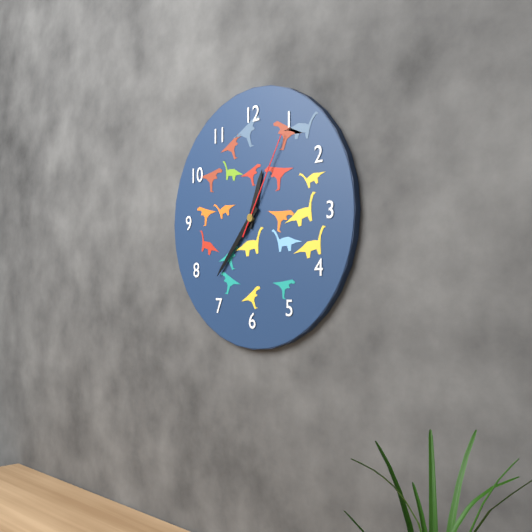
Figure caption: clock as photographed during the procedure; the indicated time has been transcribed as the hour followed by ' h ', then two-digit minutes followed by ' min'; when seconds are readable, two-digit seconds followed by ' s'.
12 h 37 min 05 s
